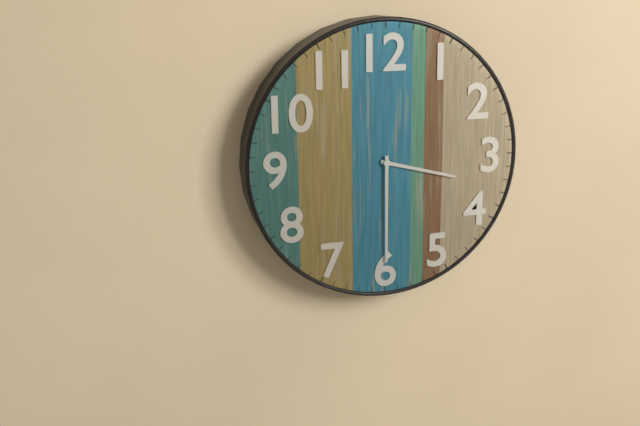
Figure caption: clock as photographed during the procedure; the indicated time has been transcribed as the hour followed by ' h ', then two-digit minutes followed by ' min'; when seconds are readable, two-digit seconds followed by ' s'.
3 h 30 min
